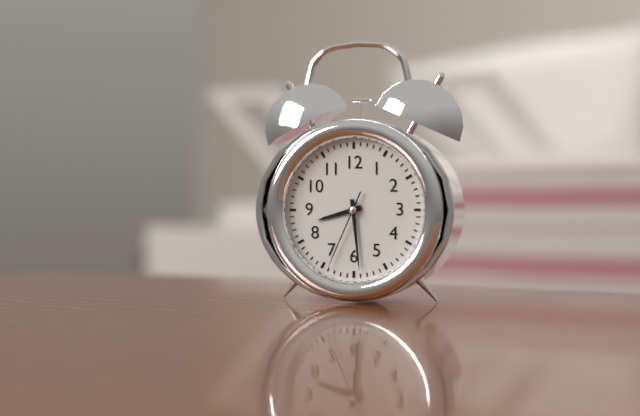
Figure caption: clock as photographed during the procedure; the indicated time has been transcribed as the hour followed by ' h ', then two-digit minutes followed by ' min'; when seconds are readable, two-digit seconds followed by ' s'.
8 h 29 min 34 s
